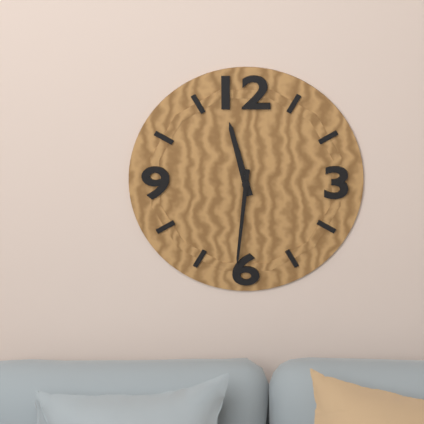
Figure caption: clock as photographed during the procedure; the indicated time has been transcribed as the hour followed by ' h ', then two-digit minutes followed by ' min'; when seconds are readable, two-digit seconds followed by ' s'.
11 h 31 min
